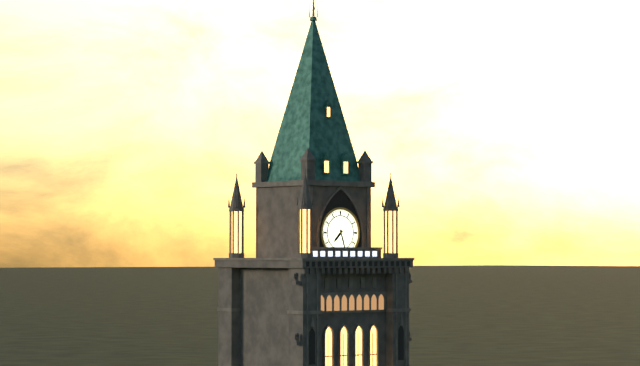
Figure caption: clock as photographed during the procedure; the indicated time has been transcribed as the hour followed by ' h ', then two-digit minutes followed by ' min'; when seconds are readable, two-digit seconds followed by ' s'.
7 h 27 min
